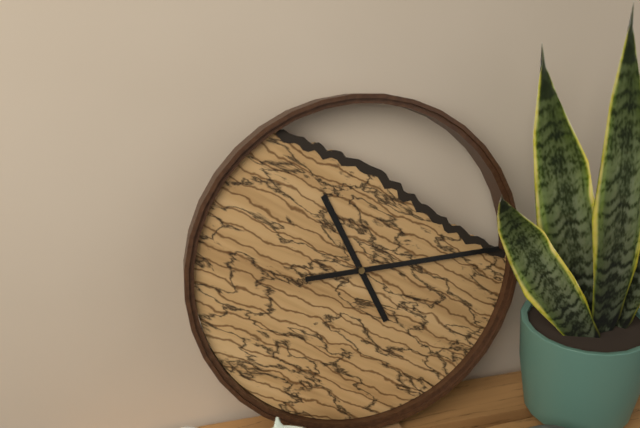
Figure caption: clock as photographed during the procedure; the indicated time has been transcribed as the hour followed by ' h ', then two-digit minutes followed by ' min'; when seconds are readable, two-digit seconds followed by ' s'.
11 h 15 min
